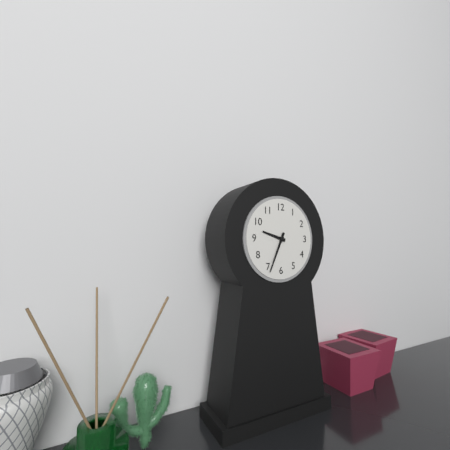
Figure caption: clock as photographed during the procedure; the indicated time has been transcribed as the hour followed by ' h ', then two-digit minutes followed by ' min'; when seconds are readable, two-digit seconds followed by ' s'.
9 h 34 min
